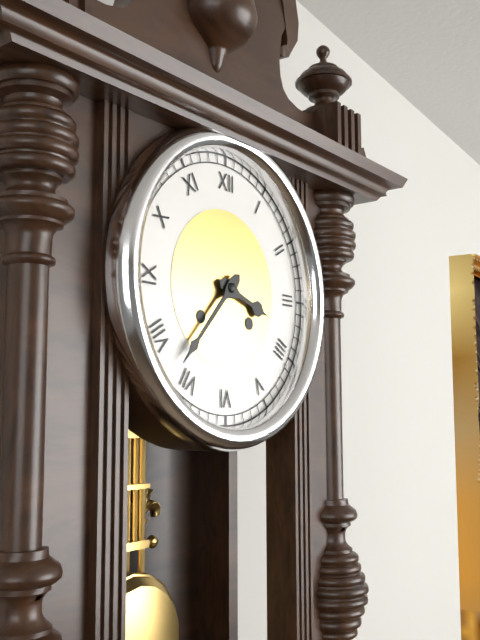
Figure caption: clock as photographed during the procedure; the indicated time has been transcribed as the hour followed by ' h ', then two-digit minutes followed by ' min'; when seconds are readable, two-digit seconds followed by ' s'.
3 h 37 min
